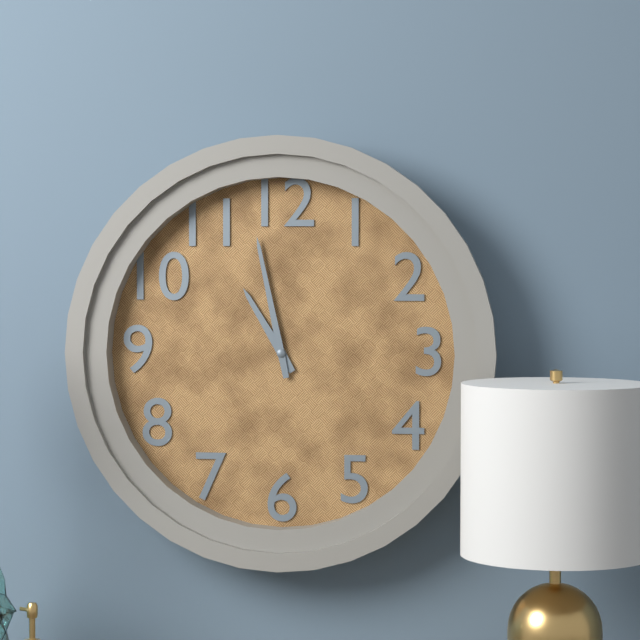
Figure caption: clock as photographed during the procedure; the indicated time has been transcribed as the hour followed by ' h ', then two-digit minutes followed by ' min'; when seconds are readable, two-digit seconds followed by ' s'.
10 h 58 min
